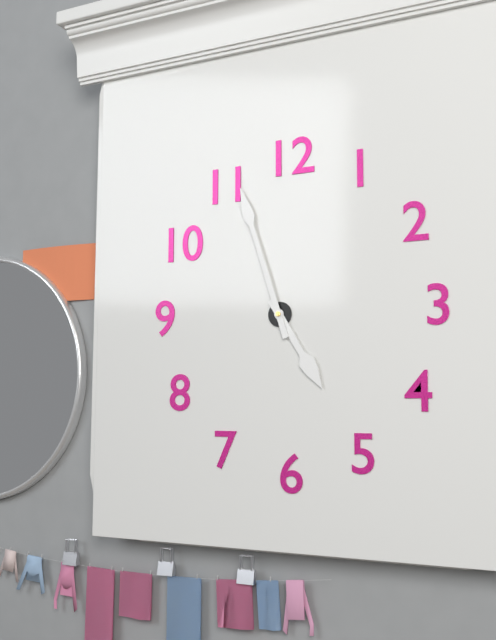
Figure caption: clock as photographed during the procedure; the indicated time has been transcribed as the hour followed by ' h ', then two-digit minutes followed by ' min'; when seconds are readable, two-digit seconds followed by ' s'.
4 h 57 min
